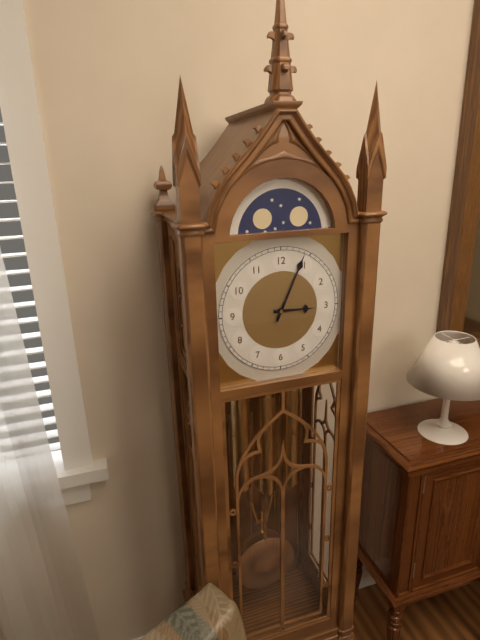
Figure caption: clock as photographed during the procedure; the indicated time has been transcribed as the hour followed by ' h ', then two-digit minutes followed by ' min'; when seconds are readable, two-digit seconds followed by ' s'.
3 h 04 min
